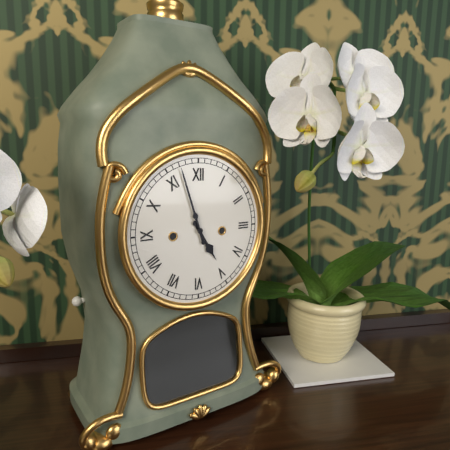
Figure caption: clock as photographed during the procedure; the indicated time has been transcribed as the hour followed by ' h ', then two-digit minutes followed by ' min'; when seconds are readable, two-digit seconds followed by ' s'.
4 h 57 min
